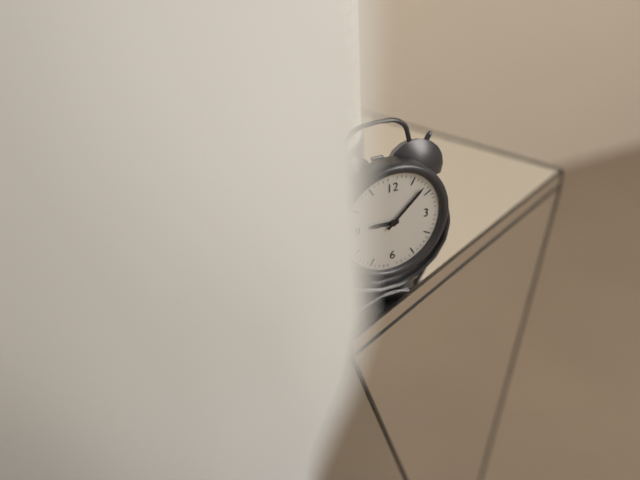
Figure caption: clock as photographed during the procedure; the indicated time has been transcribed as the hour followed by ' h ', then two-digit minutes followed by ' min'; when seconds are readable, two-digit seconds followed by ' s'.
9 h 08 min
